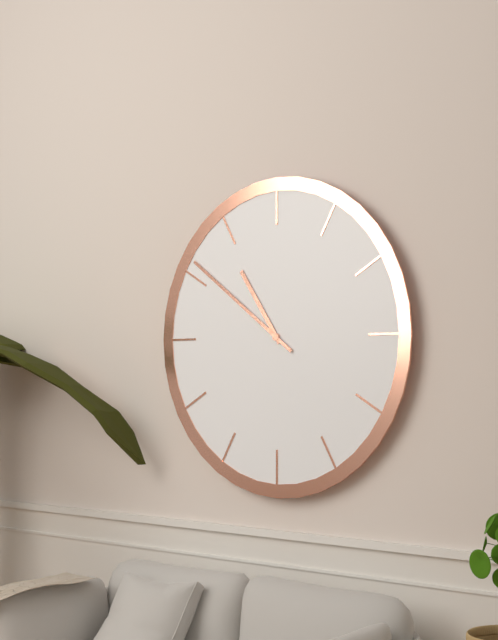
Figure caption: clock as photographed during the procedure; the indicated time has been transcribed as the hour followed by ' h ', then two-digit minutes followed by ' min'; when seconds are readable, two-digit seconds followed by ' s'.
10 h 51 min
